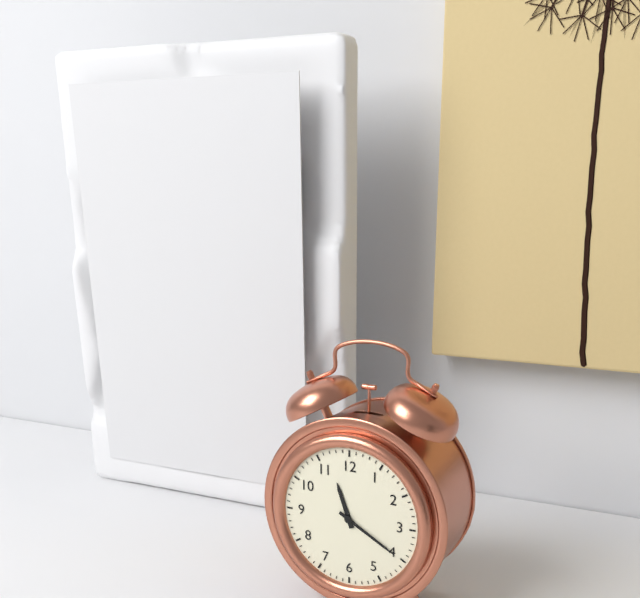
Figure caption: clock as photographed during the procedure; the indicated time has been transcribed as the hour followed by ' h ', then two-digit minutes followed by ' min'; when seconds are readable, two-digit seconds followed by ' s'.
11 h 20 min
